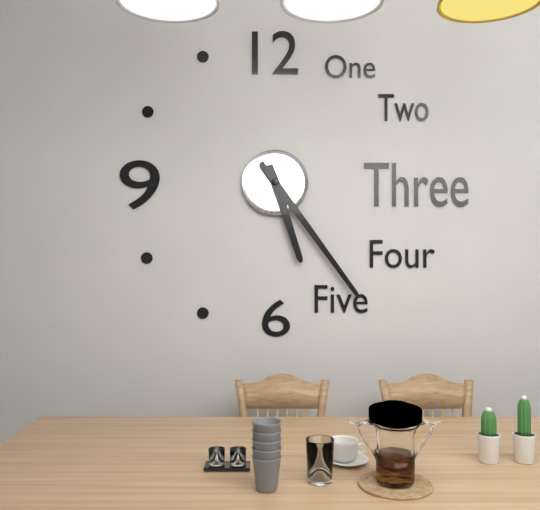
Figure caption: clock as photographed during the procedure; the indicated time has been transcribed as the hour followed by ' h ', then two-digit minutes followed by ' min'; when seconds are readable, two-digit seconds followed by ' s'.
5 h 24 min
